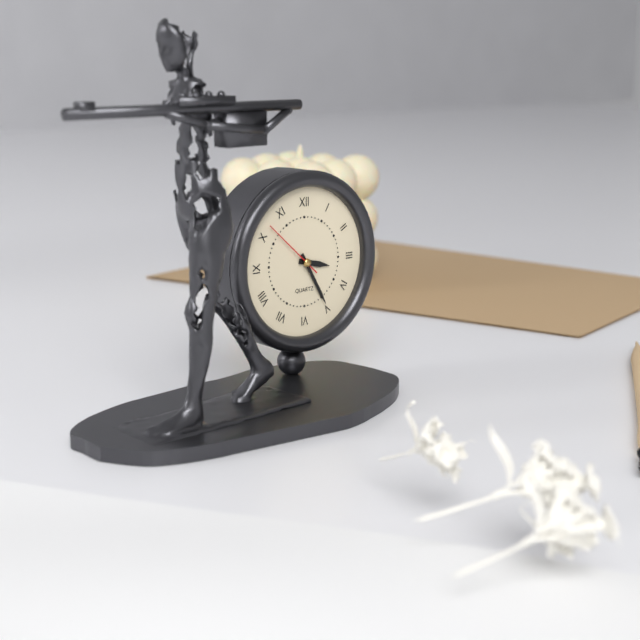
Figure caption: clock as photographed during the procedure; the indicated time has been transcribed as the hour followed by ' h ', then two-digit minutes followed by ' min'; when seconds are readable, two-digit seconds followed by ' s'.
3 h 25 min 52 s
